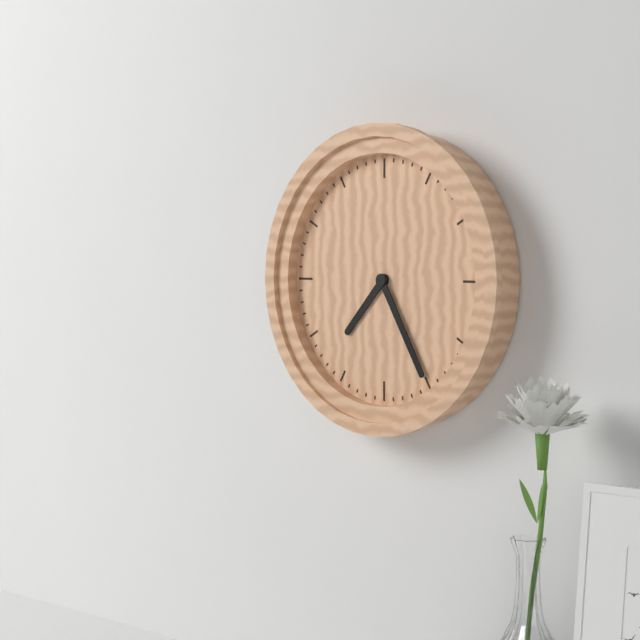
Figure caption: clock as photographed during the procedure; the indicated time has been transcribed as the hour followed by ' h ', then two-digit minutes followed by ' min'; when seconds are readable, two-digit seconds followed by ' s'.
7 h 25 min
